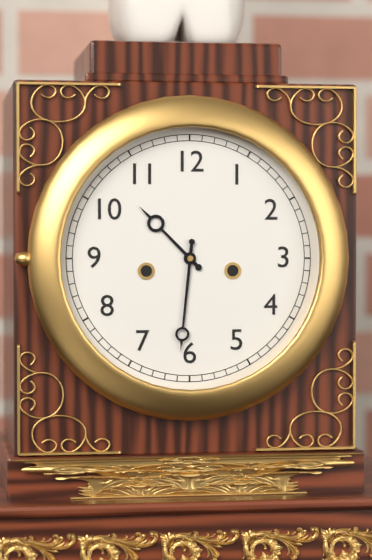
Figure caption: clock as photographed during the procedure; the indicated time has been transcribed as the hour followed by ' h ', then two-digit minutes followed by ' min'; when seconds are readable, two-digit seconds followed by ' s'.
10 h 31 min
